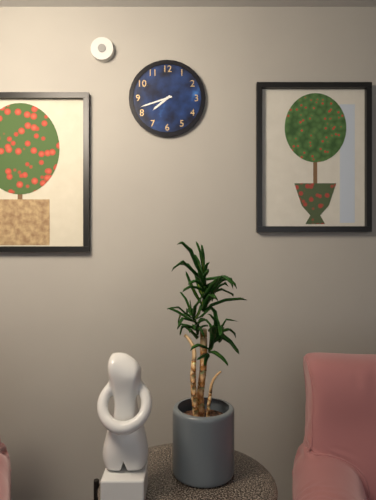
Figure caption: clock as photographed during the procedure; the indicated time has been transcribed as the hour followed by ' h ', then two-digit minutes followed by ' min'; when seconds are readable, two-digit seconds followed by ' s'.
7 h 42 min
